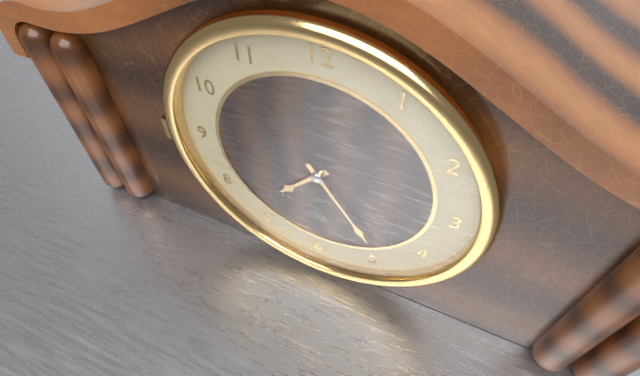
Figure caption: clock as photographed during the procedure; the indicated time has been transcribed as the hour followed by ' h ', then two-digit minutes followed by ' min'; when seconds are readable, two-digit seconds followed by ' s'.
7 h 24 min
